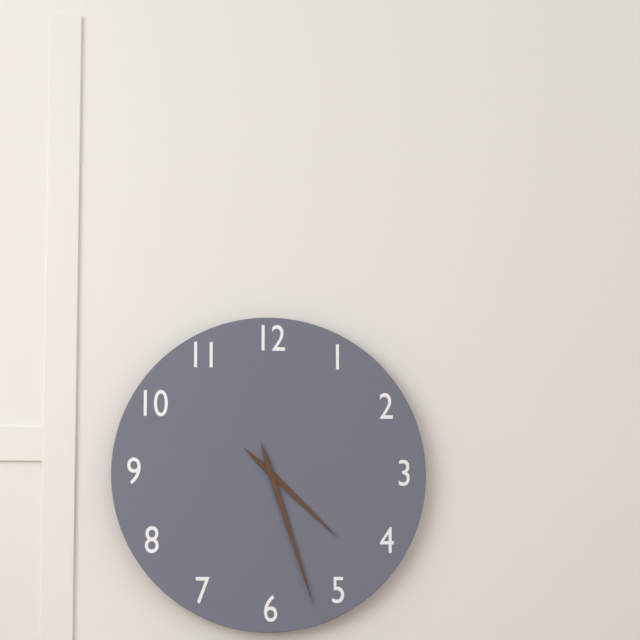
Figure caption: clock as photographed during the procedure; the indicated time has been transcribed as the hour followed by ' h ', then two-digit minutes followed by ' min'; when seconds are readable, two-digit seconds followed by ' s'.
4 h 27 min
